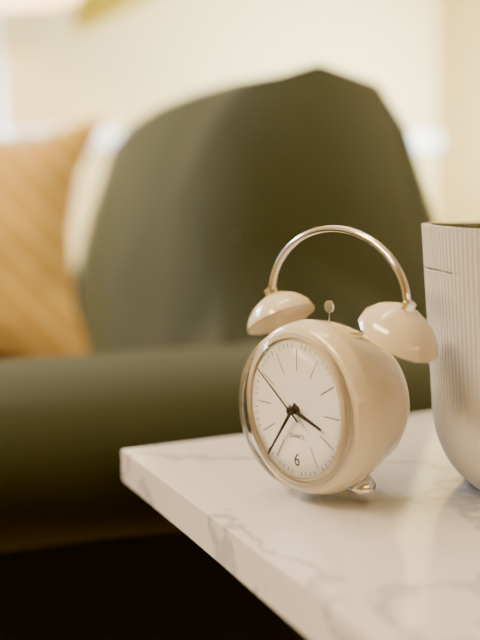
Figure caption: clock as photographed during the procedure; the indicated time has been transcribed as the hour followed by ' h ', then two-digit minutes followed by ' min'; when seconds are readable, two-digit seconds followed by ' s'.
3 h 36 min 51 s
